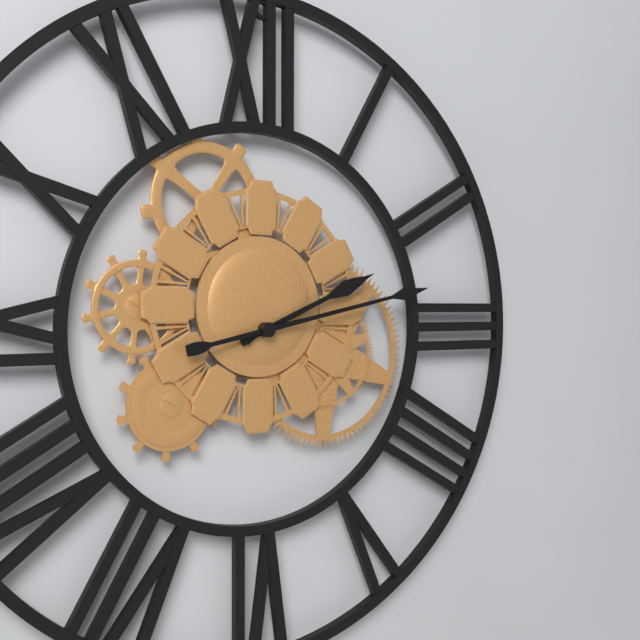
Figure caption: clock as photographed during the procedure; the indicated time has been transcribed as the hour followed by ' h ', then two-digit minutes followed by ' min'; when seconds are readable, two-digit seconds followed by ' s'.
2 h 13 min
